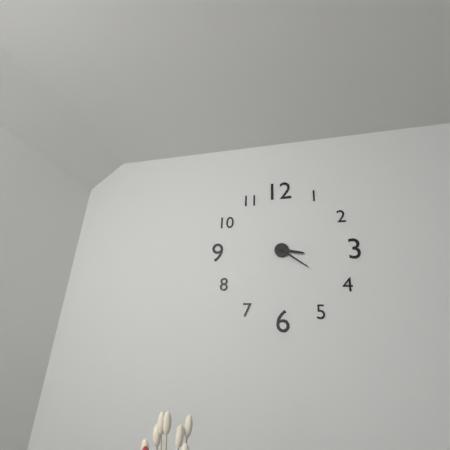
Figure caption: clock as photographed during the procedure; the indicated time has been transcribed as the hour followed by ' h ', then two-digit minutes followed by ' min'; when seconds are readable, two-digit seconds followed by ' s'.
3 h 21 min
